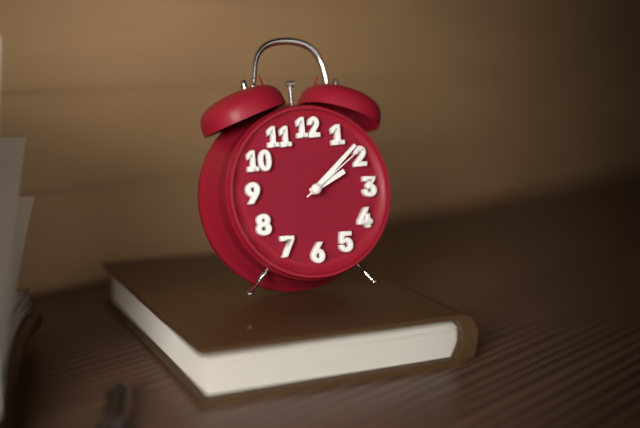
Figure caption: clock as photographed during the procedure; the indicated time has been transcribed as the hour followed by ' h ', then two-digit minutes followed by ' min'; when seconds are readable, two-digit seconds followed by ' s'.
2 h 08 min 09 s
